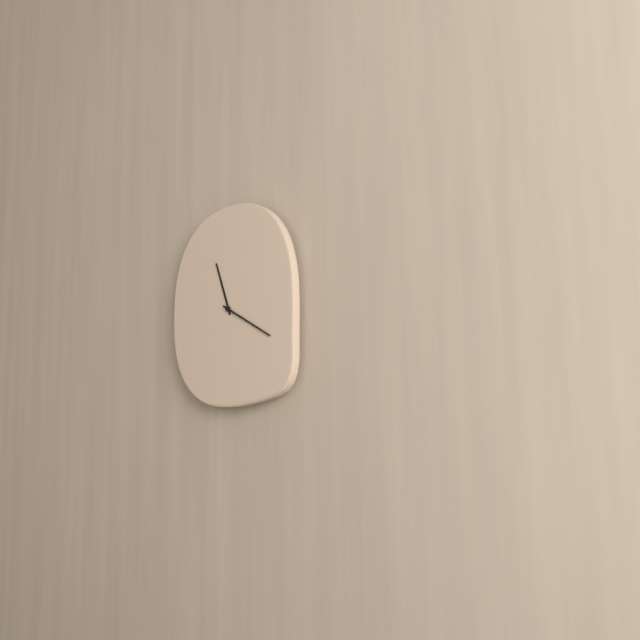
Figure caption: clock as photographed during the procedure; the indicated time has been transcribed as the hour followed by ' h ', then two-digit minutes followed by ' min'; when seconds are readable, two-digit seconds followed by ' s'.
11 h 20 min
